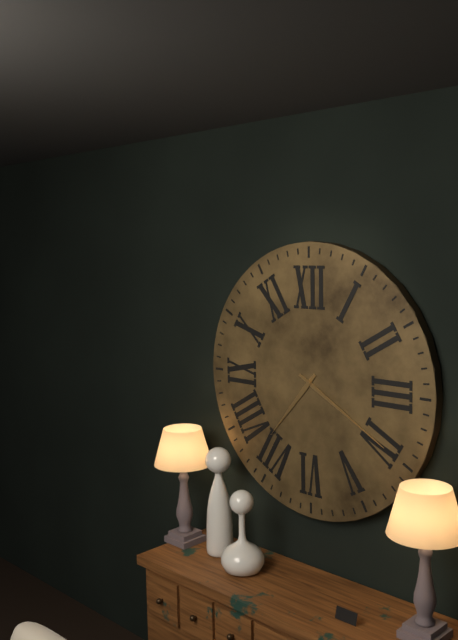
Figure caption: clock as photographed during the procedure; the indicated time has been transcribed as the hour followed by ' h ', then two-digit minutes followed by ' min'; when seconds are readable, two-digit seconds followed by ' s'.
7 h 20 min
